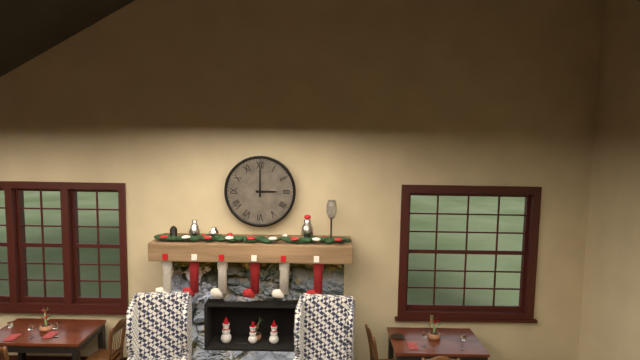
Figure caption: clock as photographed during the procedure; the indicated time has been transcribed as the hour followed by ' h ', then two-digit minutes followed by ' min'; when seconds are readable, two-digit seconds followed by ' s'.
3 h 00 min
